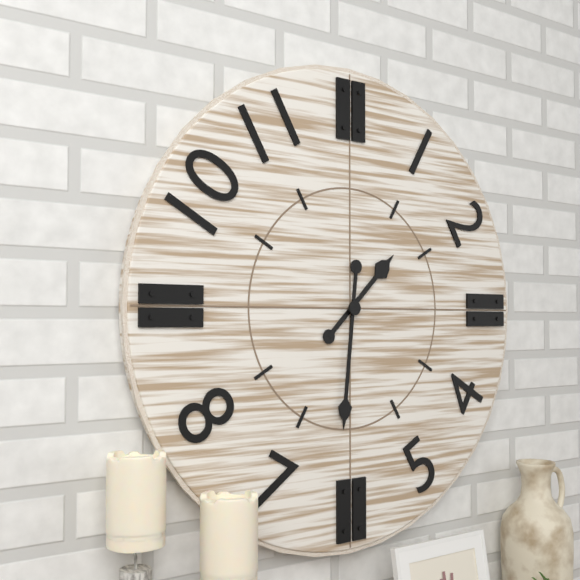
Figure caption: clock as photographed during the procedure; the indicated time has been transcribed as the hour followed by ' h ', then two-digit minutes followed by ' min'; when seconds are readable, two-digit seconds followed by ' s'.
1 h 31 min
